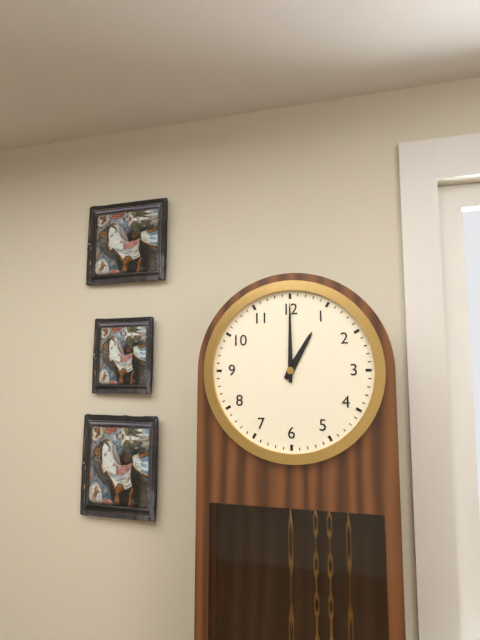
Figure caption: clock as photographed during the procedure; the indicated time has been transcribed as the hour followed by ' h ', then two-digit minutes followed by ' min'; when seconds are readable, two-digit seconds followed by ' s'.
1 h 00 min
